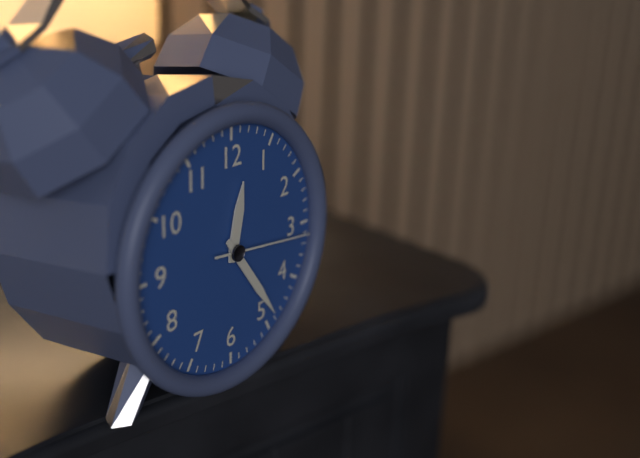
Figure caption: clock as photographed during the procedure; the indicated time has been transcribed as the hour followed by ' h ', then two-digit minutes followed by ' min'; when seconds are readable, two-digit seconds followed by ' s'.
12 h 24 min 16 s
